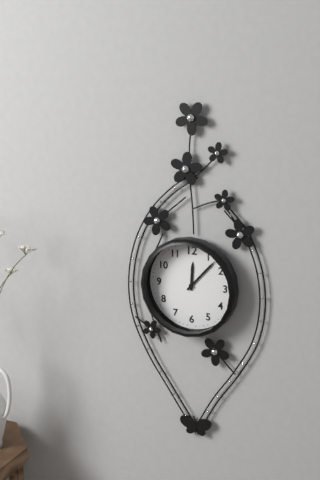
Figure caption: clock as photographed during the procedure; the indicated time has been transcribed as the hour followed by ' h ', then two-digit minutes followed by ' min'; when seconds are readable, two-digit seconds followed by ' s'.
12 h 07 min
